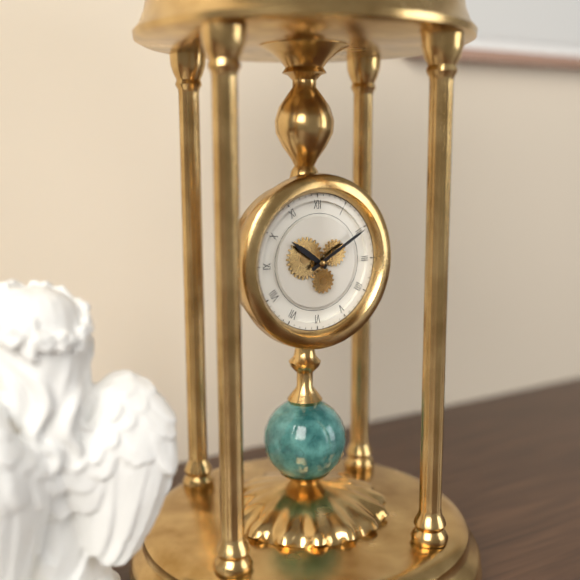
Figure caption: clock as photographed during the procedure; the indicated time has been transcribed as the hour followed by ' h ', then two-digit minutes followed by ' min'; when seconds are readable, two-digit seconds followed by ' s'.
10 h 10 min
